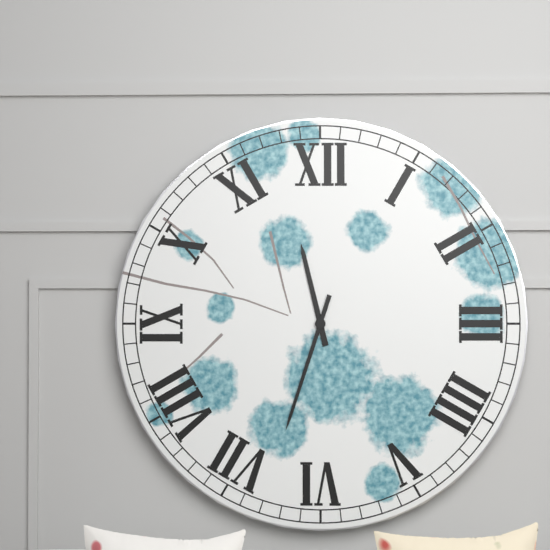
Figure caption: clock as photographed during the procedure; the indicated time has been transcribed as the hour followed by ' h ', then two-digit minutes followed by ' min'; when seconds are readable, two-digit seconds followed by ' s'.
11 h 33 min
